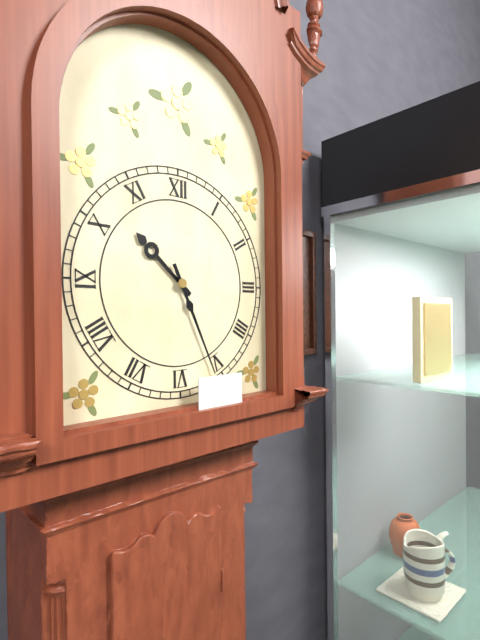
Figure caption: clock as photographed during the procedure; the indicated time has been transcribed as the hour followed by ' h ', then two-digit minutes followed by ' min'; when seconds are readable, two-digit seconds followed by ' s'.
10 h 26 min
